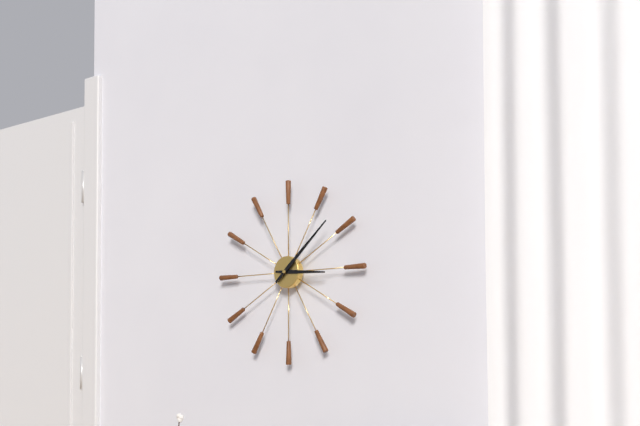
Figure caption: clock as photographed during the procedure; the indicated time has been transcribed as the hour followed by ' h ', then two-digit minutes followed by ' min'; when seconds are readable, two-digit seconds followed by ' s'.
3 h 08 min
